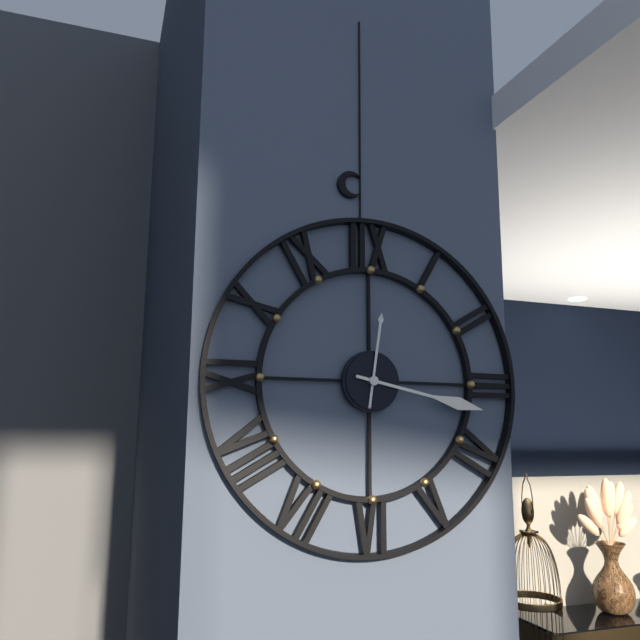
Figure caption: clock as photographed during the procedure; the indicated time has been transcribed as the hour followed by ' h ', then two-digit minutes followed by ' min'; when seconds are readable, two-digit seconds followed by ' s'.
12 h 17 min
